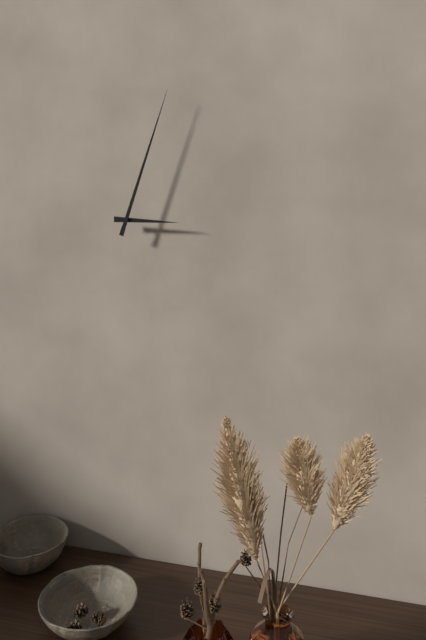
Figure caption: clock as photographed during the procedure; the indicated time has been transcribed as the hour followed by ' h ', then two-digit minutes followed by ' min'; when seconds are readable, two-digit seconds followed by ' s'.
3 h 03 min
